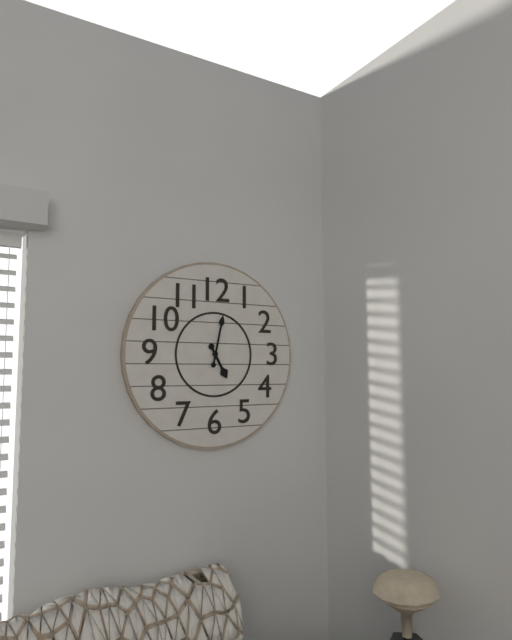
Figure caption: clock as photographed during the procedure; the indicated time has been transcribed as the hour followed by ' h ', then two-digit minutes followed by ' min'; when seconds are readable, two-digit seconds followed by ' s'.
5 h 02 min
